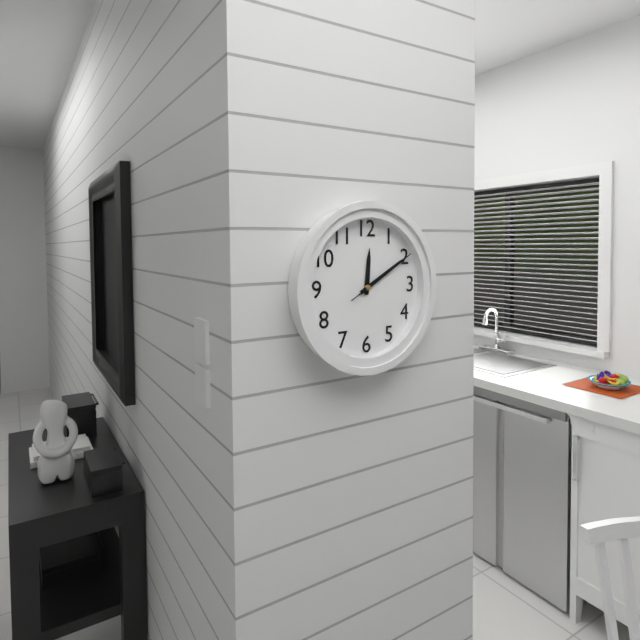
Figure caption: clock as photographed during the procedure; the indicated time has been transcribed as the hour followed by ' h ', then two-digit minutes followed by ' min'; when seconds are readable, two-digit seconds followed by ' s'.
12 h 10 min 10 s
